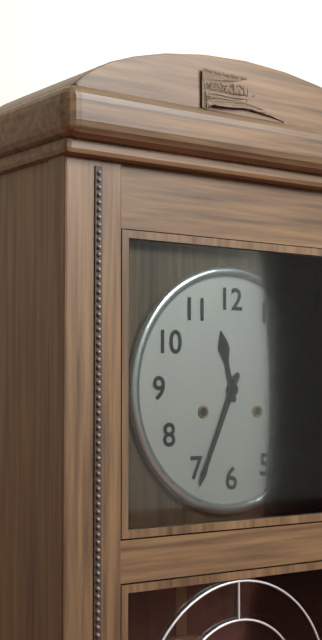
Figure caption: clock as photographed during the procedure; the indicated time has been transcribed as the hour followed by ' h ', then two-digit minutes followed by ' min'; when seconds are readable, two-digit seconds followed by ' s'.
11 h 34 min
